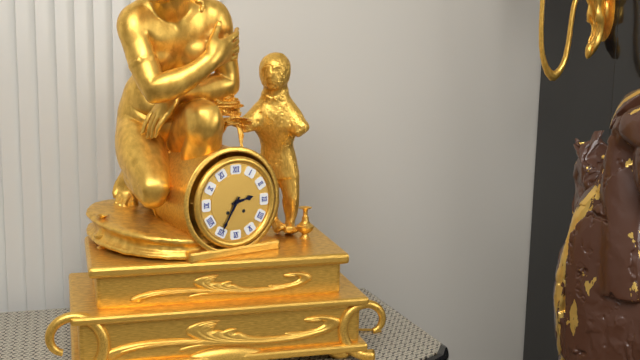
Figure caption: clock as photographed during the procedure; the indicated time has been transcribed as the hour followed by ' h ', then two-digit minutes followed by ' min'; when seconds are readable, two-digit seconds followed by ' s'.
2 h 35 min
